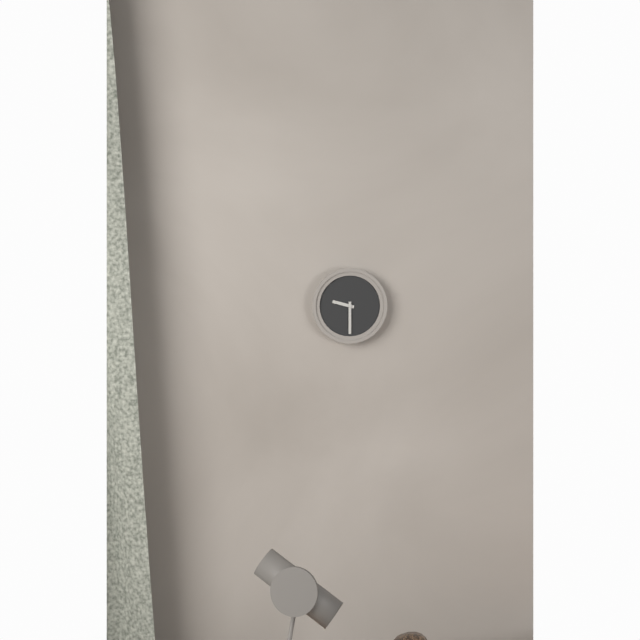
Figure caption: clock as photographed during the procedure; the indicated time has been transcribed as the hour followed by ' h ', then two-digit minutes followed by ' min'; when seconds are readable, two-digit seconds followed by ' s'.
9 h 30 min
